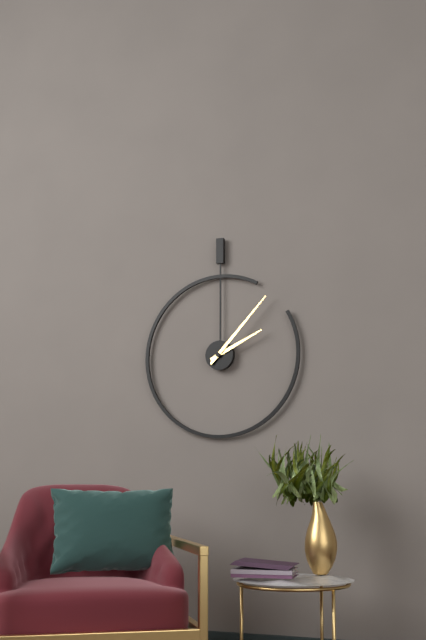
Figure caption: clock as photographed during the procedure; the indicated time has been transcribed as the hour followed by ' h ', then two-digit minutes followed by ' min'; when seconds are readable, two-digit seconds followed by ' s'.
2 h 07 min
